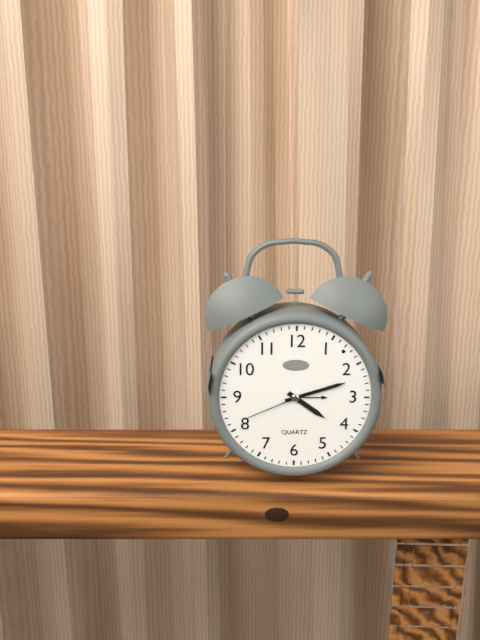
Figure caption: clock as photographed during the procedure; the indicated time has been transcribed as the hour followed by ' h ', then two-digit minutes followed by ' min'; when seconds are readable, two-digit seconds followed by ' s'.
4 h 12 min 41 s
